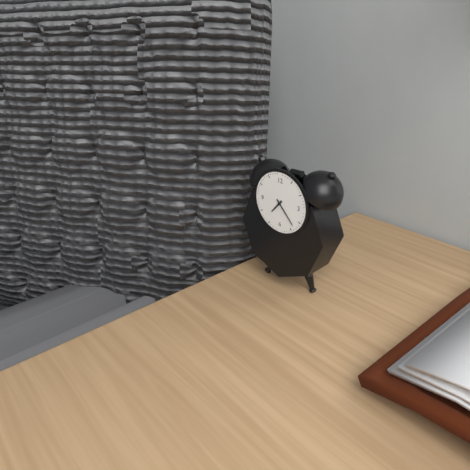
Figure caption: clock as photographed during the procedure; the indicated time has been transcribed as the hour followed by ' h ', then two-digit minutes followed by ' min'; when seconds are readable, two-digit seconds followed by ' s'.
7 h 23 min
